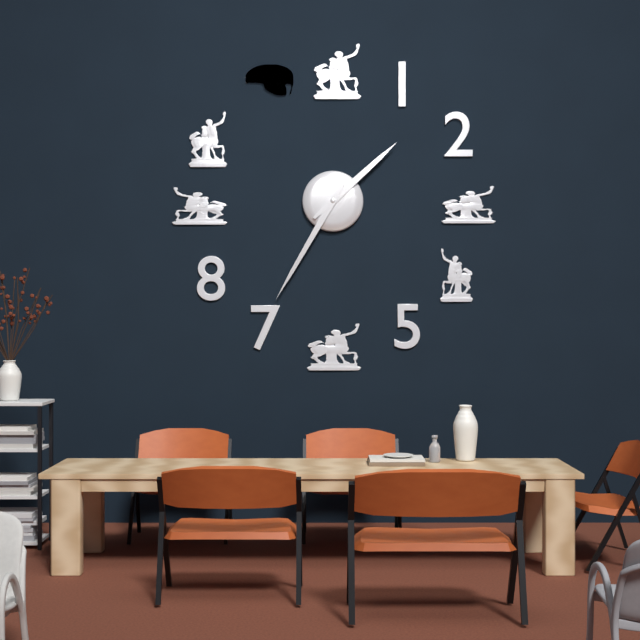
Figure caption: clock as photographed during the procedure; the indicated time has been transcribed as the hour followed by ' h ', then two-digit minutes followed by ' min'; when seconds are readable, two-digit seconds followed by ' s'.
1 h 35 min
